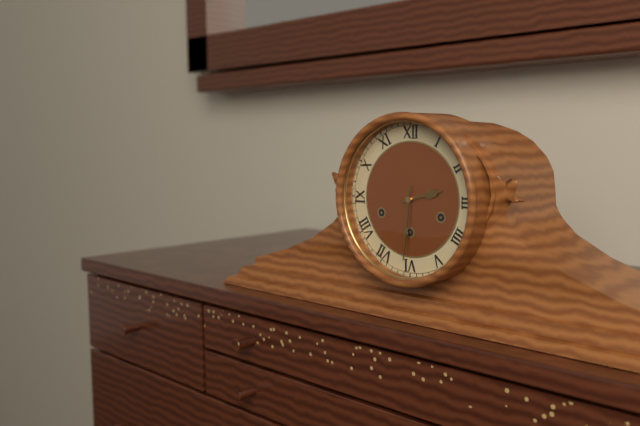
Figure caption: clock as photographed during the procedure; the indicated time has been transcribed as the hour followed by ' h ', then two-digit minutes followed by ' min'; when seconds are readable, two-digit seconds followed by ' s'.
2 h 31 min
